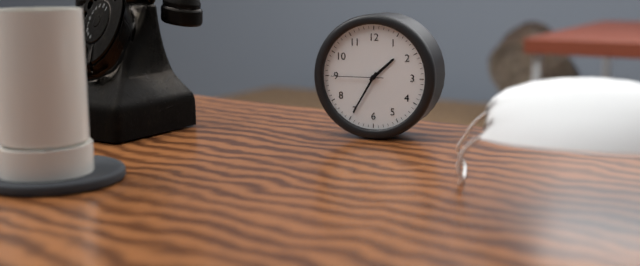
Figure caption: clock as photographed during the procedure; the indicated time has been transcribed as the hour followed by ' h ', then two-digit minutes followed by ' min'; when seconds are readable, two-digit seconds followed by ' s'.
1 h 35 min 45 s
